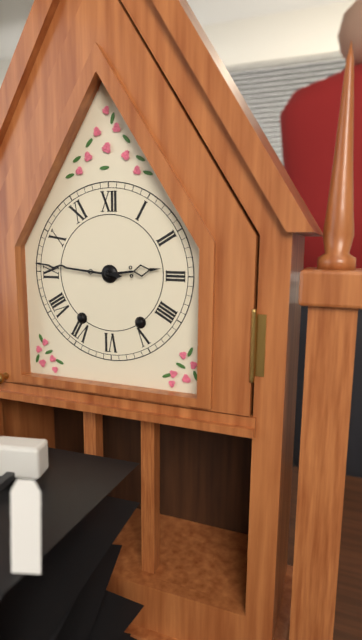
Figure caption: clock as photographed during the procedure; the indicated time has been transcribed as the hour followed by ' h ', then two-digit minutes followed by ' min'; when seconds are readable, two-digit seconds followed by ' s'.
2 h 46 min
